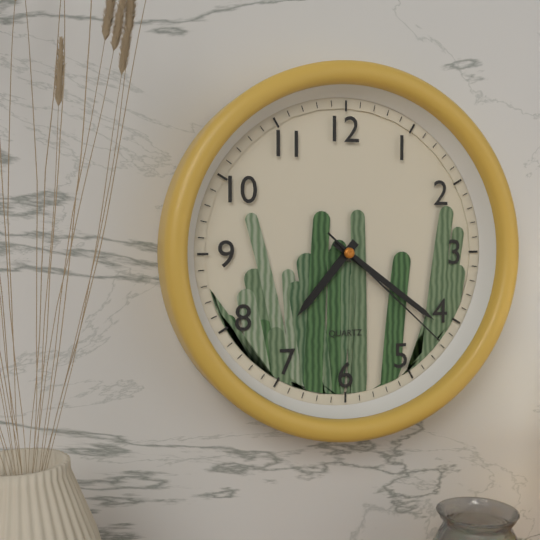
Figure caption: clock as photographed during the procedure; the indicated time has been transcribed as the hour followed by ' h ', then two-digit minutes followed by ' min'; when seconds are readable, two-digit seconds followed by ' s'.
7 h 21 min 22 s
